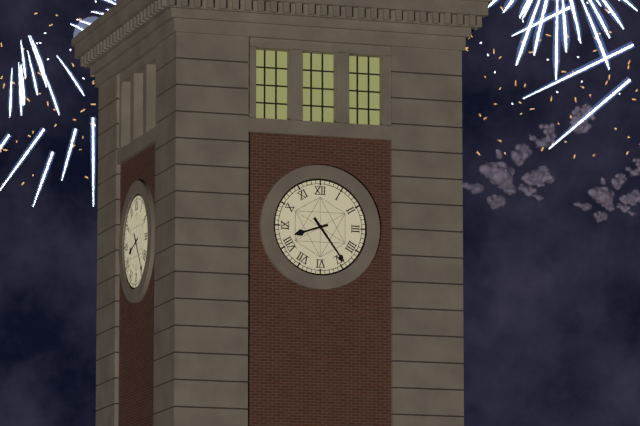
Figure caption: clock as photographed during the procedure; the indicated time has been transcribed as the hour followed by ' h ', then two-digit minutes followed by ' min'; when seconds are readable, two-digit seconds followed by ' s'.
8 h 24 min
